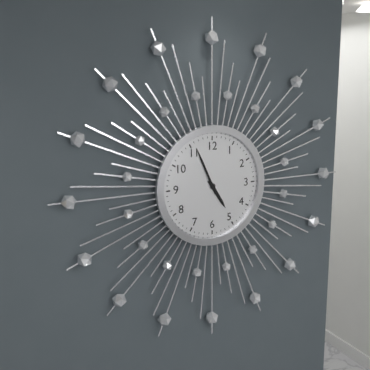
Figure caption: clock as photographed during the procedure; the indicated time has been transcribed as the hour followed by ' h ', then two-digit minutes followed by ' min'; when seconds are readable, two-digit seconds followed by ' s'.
4 h 56 min
